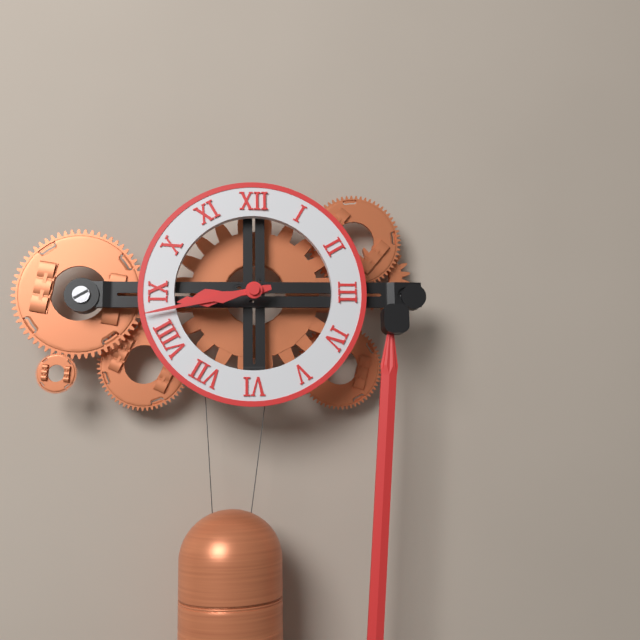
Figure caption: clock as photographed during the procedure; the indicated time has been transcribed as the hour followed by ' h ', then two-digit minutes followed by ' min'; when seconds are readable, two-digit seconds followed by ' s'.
8 h 43 min
